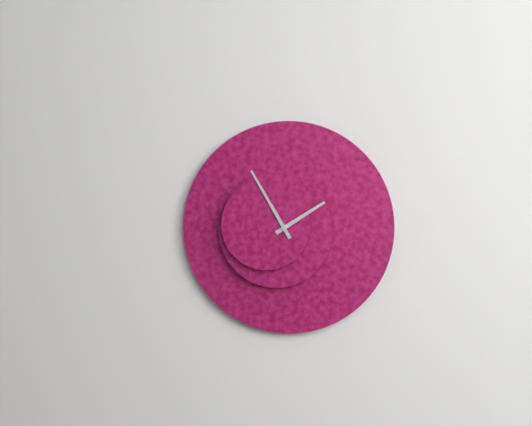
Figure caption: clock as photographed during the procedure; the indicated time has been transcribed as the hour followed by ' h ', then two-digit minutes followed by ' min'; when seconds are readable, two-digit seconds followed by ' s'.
1 h 55 min
